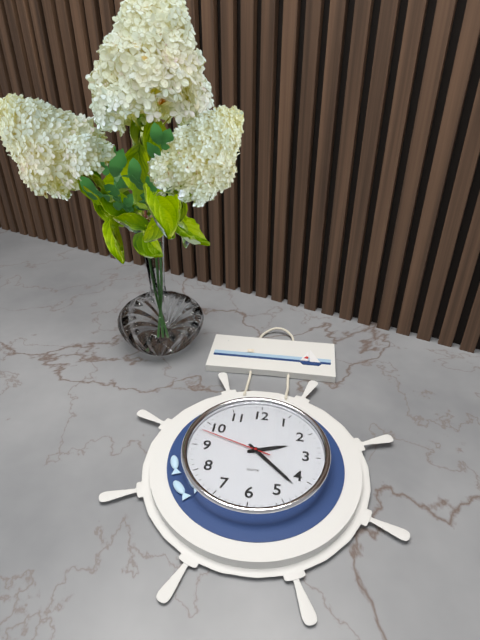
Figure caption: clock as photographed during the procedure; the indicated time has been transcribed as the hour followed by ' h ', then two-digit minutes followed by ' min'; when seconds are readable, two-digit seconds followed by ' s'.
2 h 22 min 48 s
